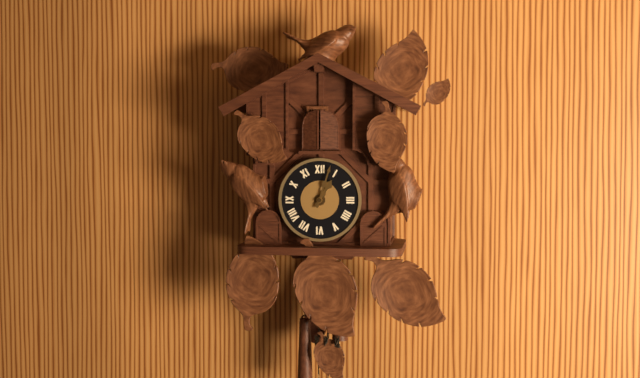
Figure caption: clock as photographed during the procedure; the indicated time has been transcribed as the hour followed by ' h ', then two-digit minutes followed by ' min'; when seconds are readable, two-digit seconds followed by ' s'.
1 h 03 min
